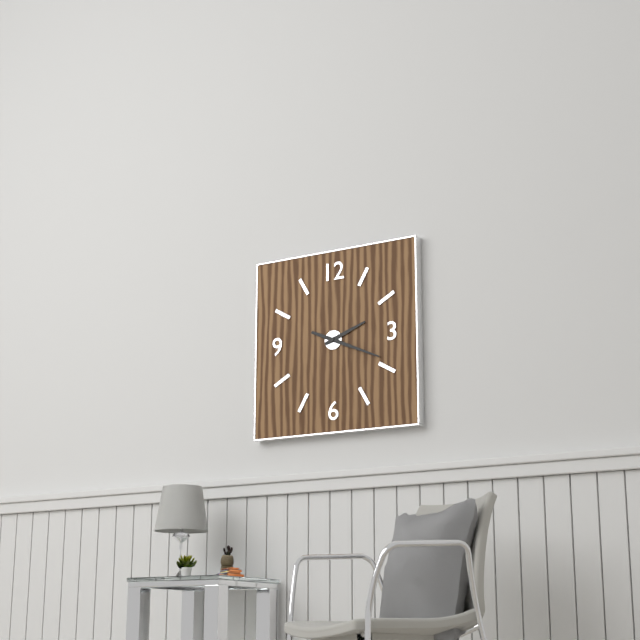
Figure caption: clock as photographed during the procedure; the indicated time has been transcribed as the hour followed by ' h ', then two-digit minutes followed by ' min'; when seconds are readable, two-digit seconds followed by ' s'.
2 h 19 min
